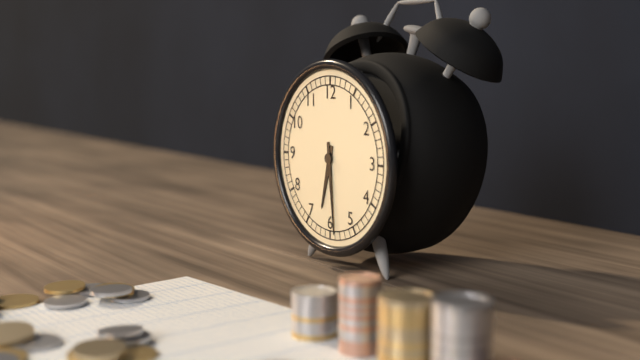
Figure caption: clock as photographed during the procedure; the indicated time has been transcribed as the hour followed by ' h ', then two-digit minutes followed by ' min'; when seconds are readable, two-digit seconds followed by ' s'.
6 h 29 min
